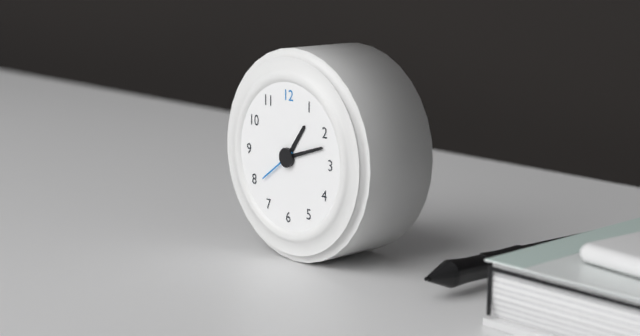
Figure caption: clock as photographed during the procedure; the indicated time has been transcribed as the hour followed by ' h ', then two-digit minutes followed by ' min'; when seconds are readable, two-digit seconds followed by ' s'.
1 h 12 min
